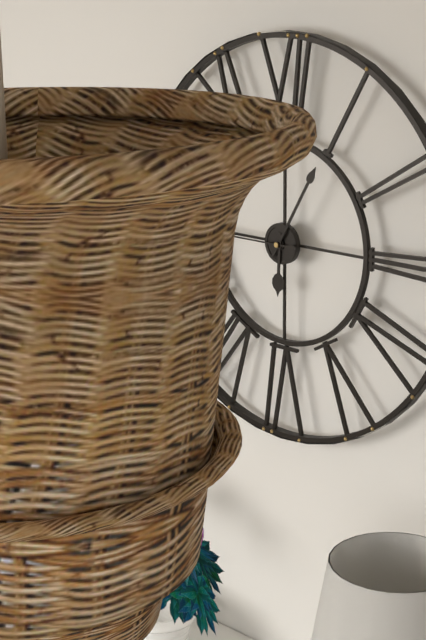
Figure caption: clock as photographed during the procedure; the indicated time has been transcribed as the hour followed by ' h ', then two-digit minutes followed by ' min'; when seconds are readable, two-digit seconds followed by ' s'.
6 h 05 min
